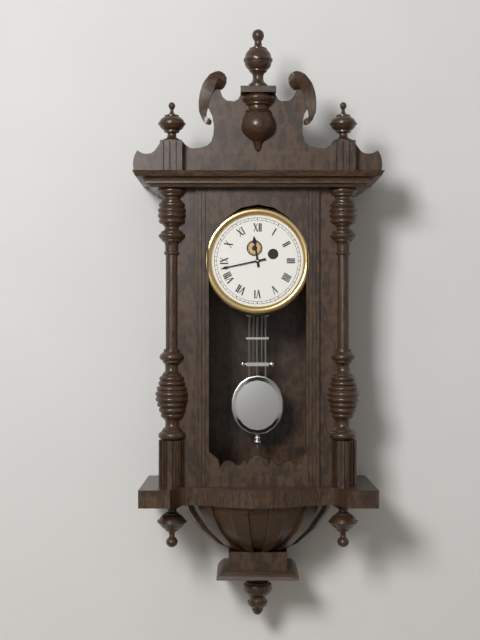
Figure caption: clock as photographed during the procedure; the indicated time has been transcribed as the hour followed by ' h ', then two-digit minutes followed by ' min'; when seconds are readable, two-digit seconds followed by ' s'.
11 h 43 min
